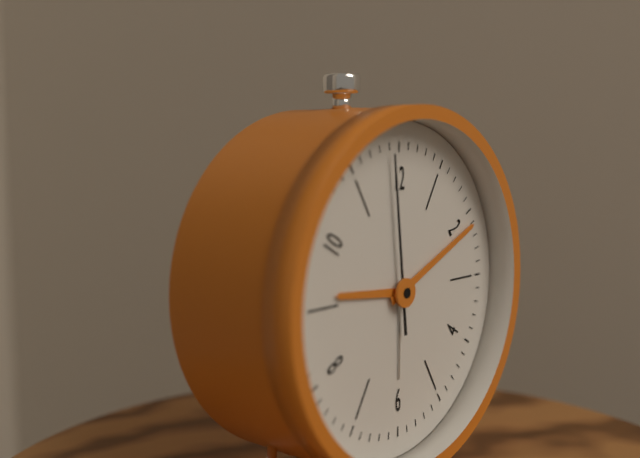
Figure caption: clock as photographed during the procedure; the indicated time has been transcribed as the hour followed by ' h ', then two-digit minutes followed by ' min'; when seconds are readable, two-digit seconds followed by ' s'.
9 h 11 min 59 s
